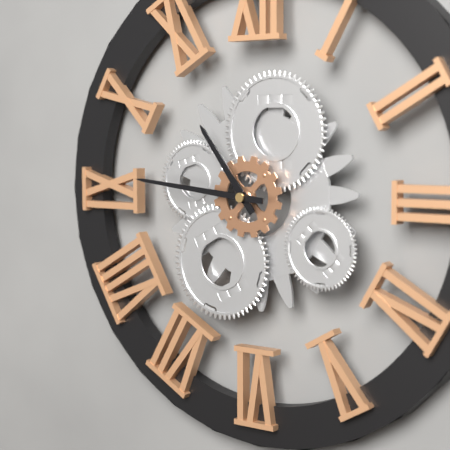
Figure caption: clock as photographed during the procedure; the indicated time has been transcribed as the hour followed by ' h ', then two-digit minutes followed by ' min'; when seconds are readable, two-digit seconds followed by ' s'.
10 h 46 min
